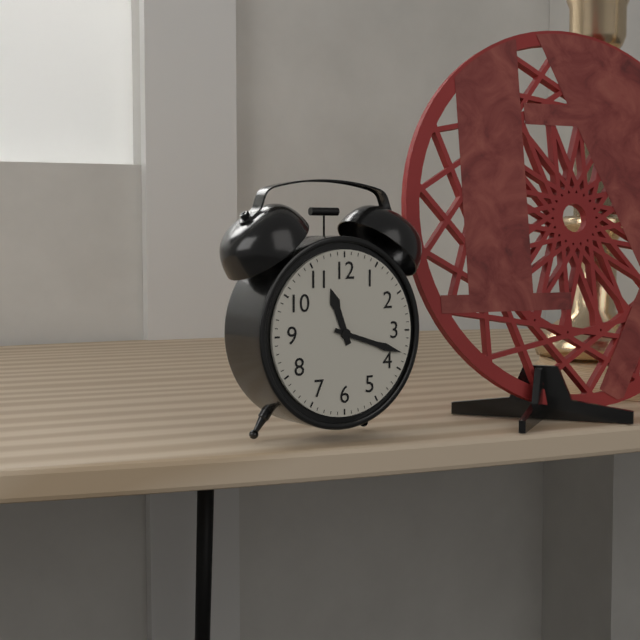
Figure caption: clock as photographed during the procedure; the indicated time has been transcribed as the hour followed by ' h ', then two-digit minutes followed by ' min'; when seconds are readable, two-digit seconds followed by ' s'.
11 h 18 min
